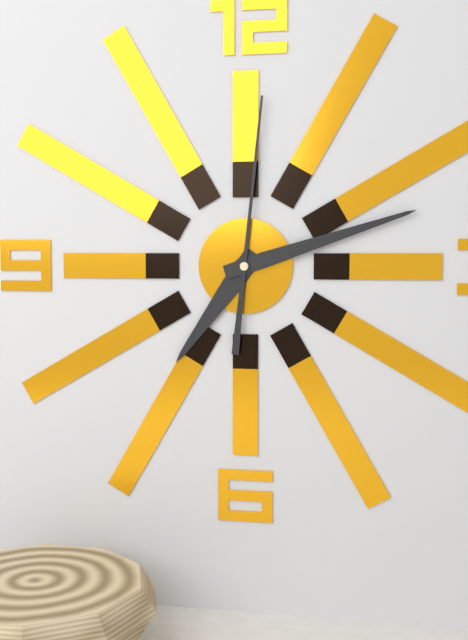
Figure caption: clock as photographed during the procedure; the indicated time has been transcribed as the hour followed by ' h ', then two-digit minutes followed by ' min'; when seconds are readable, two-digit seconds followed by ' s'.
7 h 12 min 01 s
